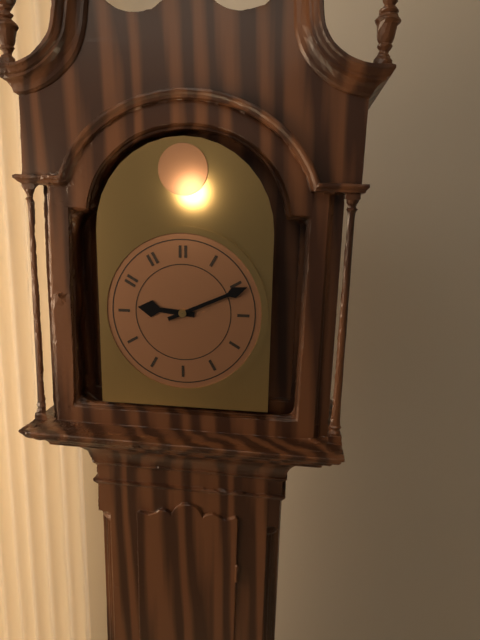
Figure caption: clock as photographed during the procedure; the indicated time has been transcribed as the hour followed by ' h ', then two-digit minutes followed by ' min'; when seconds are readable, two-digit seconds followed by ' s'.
9 h 11 min
